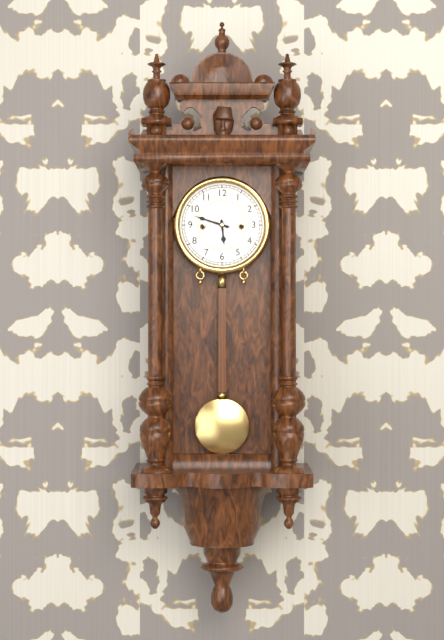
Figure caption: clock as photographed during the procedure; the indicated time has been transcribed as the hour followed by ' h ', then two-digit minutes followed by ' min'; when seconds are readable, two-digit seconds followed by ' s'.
5 h 48 min
